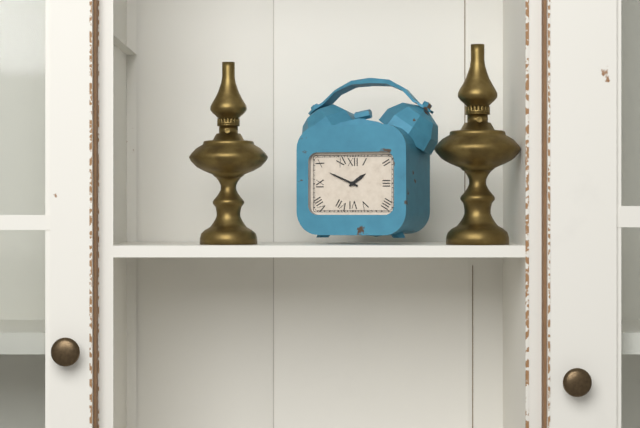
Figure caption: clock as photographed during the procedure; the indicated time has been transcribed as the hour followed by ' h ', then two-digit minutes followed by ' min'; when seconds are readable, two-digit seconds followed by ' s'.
1 h 49 min
